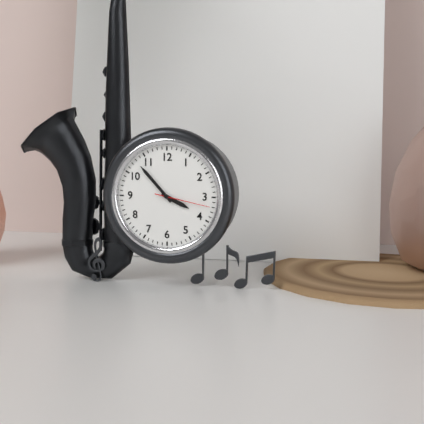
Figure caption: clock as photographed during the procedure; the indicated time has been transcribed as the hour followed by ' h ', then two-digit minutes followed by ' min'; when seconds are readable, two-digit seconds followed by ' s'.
3 h 53 min 17 s
